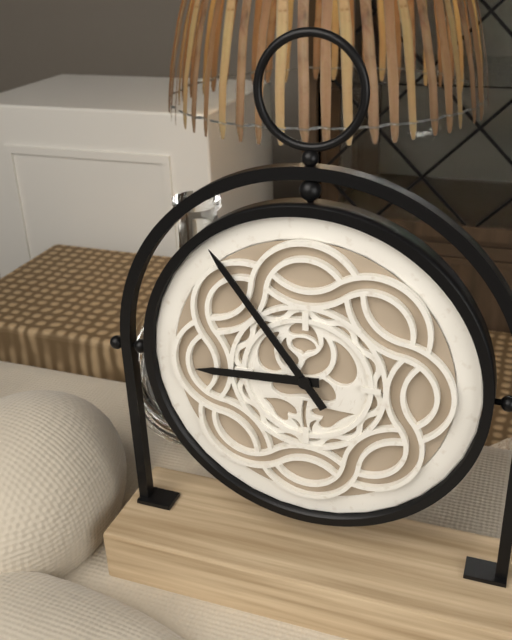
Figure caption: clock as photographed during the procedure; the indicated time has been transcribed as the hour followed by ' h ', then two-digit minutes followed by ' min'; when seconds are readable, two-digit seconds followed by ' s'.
8 h 54 min
